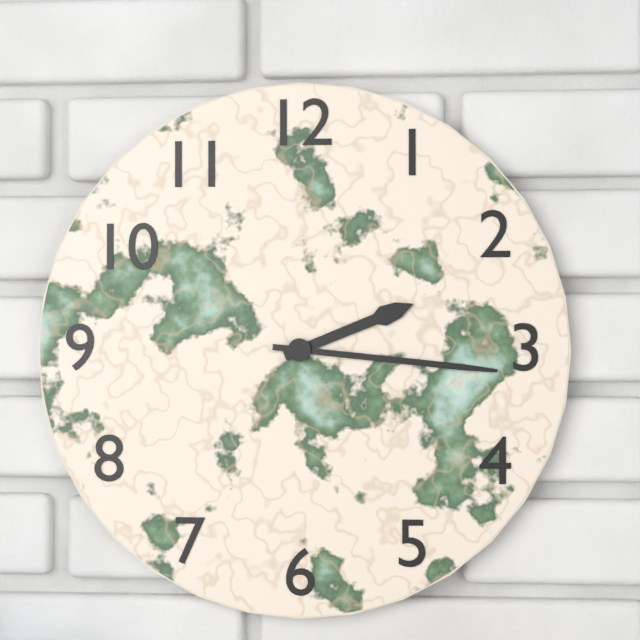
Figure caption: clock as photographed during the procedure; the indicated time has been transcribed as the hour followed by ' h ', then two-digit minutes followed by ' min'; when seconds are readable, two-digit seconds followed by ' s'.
2 h 16 min
